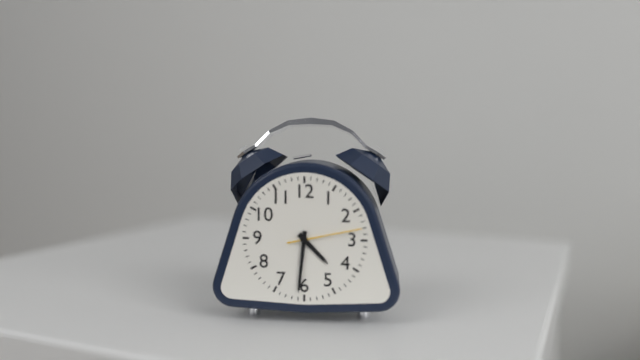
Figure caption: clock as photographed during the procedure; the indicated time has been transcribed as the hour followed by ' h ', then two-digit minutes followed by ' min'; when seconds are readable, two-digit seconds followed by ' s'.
4 h 31 min 13 s
